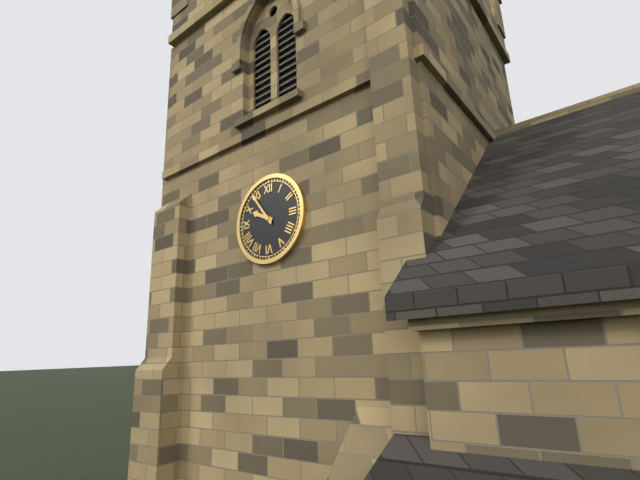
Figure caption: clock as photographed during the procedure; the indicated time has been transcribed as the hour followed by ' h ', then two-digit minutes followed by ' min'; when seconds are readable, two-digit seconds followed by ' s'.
9 h 54 min
